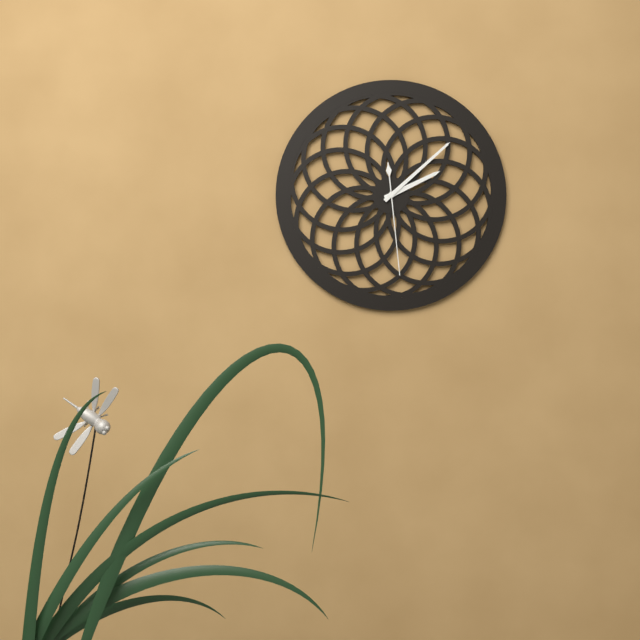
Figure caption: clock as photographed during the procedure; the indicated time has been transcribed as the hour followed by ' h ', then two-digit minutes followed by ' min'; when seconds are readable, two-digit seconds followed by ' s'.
2 h 08 min 29 s
